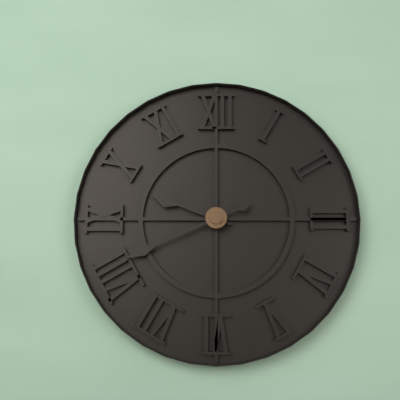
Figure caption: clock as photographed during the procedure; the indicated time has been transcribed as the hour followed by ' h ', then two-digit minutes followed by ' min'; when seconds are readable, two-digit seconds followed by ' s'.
9 h 41 min
